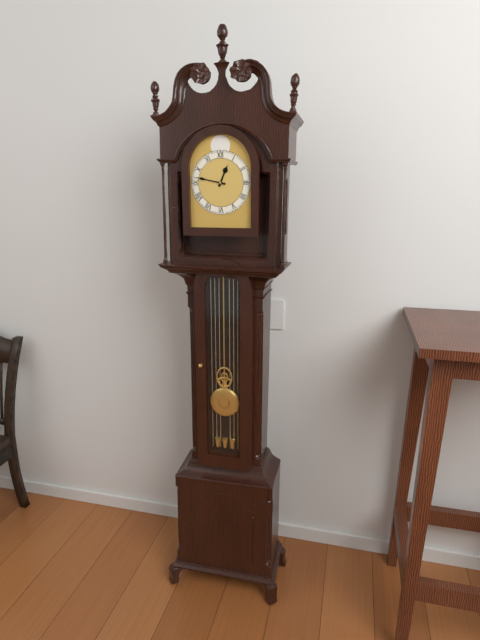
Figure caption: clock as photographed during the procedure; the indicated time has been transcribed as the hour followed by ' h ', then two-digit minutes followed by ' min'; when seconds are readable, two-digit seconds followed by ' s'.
12 h 47 min
